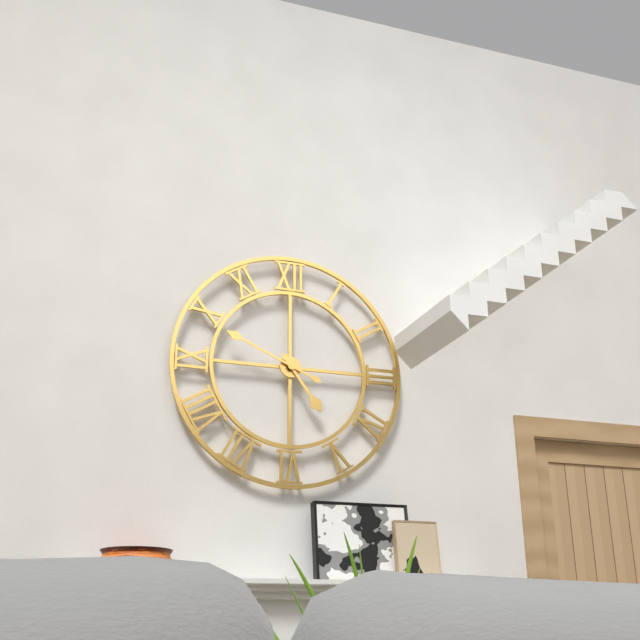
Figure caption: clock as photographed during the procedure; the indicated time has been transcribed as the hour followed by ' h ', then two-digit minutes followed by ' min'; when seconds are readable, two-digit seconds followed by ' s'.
4 h 49 min
